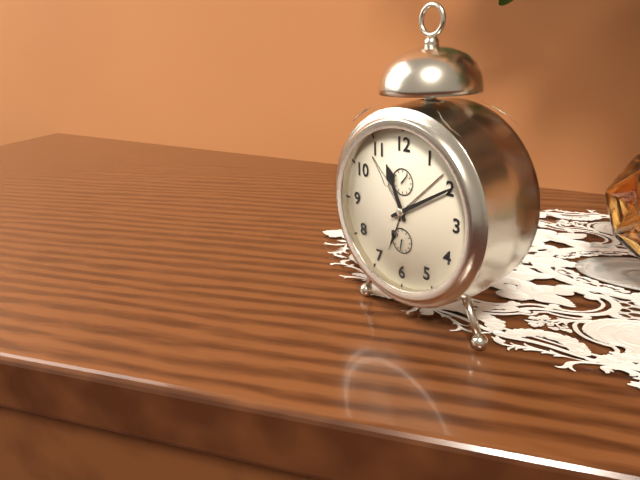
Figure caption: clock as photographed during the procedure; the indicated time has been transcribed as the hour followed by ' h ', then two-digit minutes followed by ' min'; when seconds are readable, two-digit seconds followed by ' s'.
11 h 10 min
